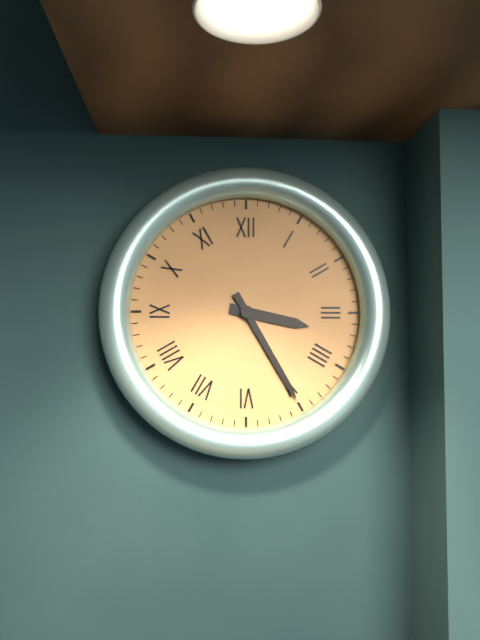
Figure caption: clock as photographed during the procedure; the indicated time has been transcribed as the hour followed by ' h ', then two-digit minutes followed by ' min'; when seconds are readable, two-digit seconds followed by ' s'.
3 h 25 min
